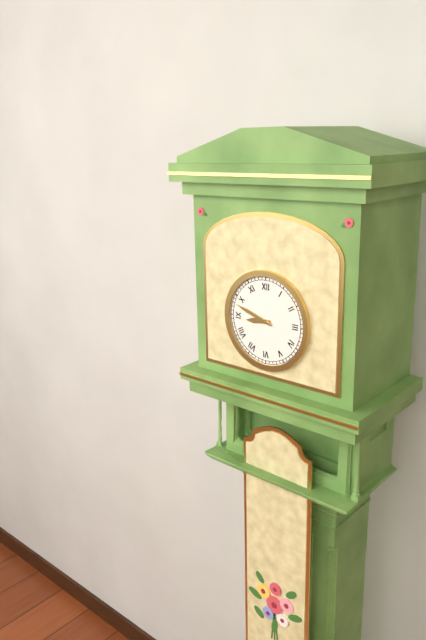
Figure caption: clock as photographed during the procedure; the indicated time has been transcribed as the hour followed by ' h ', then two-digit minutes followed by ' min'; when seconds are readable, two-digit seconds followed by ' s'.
8 h 48 min
